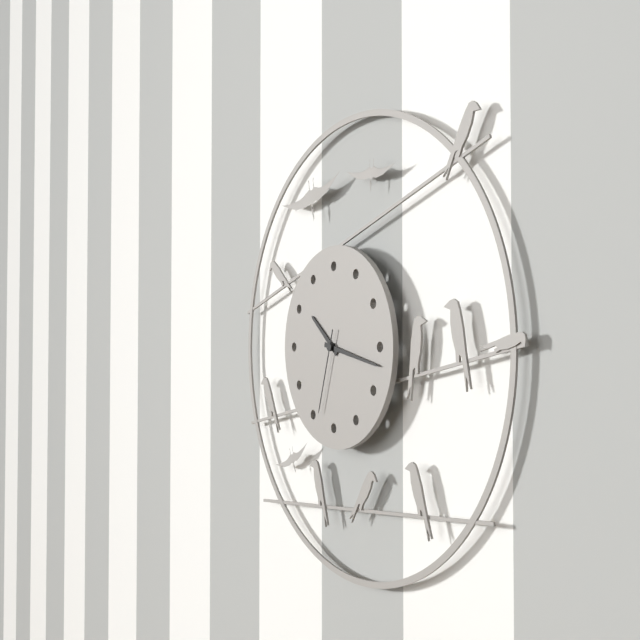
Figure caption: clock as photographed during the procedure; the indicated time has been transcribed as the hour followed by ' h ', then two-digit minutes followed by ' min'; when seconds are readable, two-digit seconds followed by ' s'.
10 h 17 min 33 s
